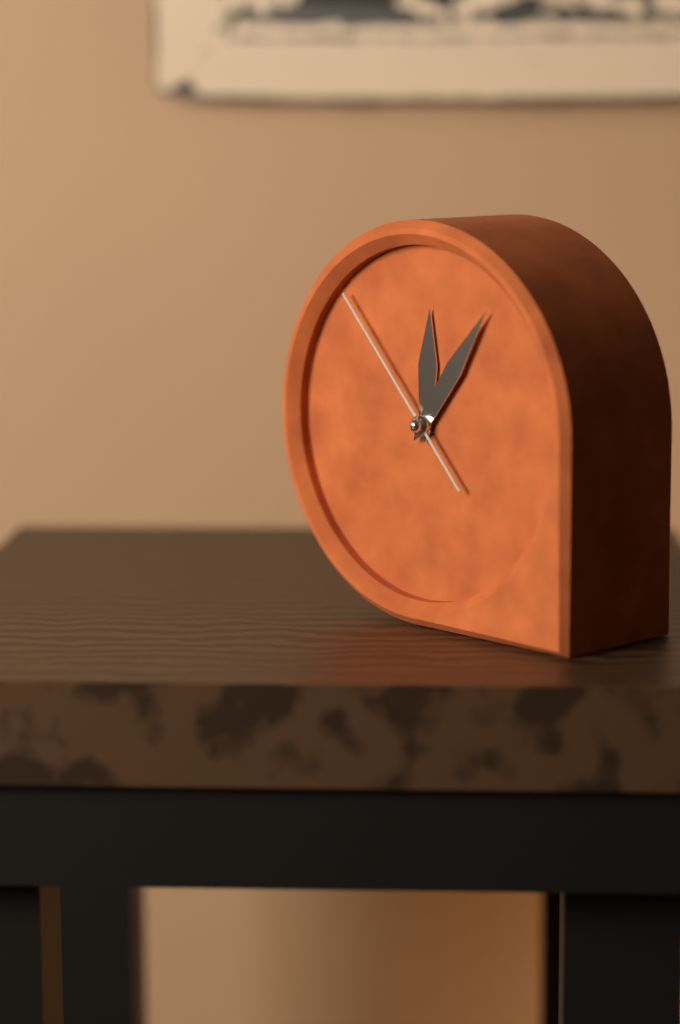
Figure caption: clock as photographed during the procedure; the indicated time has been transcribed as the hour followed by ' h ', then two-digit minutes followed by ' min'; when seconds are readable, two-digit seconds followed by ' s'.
12 h 06 min 53 s
